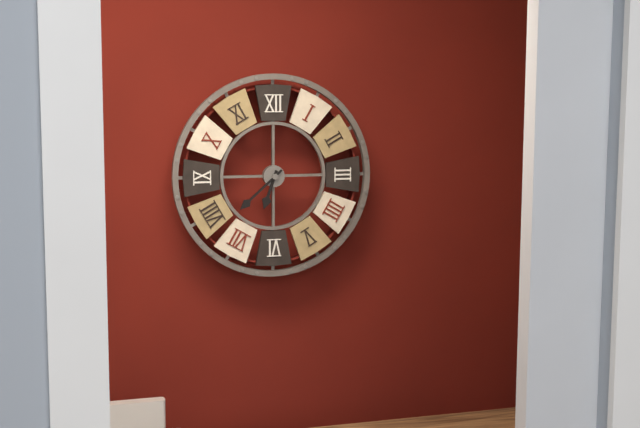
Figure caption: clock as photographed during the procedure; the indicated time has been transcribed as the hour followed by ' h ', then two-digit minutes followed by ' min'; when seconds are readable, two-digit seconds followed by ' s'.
6 h 38 min
